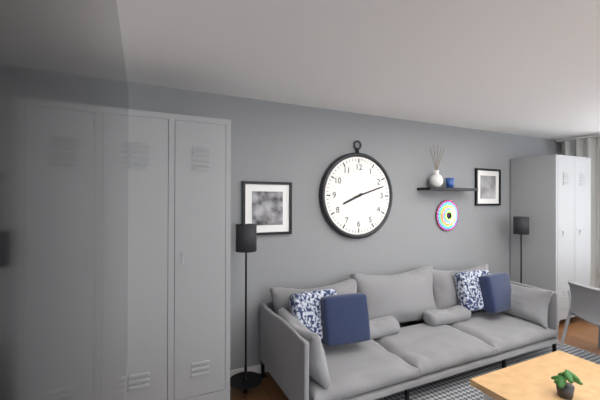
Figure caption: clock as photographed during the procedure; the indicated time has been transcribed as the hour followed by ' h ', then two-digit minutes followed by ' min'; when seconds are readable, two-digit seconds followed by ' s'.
8 h 12 min
